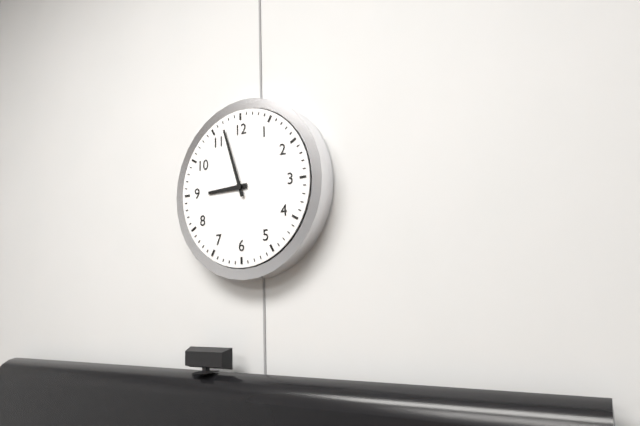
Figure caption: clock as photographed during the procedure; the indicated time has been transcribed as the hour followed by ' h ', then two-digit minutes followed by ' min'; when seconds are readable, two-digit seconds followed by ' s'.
8 h 57 min
